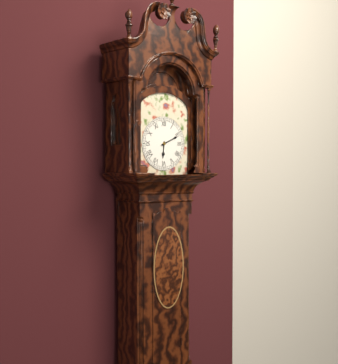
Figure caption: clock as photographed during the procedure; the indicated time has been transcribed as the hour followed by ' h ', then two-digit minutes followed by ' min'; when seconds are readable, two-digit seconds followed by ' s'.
6 h 11 min
